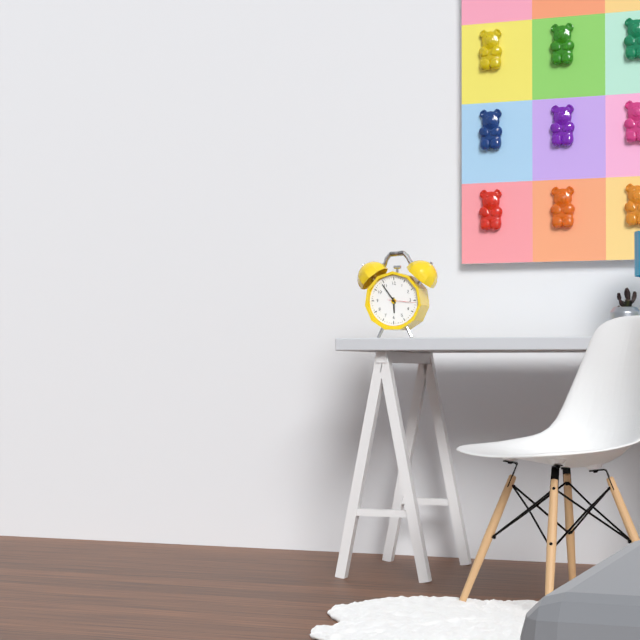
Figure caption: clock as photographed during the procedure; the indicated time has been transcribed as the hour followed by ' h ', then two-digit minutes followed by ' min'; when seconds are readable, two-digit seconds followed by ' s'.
5 h 54 min
